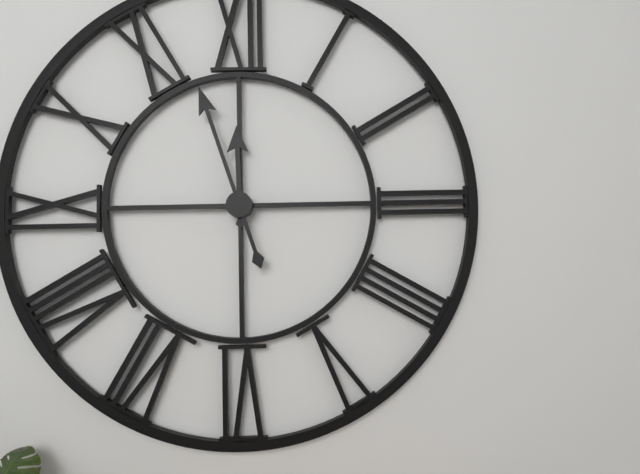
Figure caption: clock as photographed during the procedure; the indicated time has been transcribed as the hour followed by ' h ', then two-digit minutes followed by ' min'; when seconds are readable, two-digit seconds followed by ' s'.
11 h 57 min
